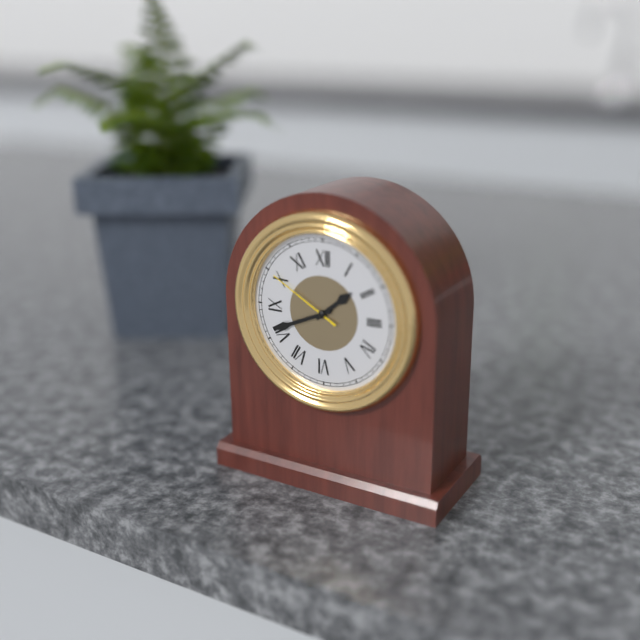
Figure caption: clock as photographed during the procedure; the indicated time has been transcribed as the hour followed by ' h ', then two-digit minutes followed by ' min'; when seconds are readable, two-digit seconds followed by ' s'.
1 h 41 min 50 s
